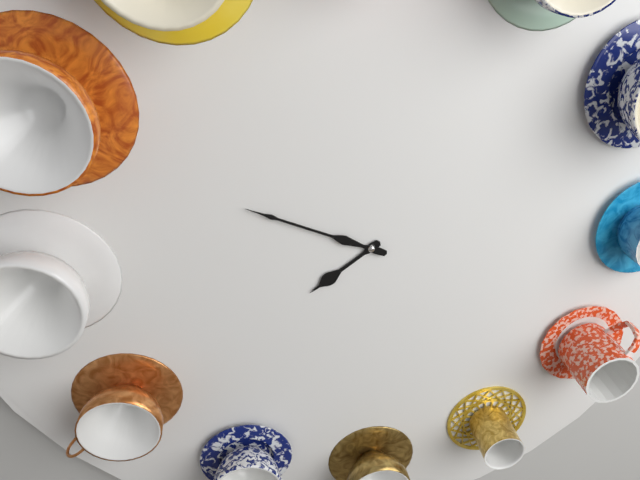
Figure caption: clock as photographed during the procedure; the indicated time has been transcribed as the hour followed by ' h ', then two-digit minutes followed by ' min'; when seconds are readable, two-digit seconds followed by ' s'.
7 h 49 min
